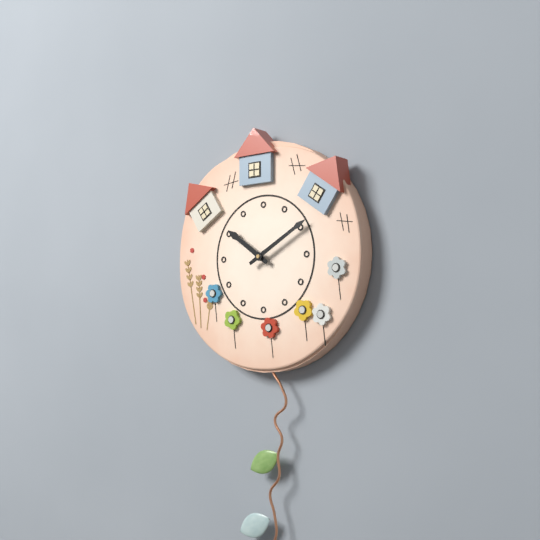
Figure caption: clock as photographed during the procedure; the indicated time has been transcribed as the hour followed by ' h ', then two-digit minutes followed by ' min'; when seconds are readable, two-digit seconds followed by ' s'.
10 h 10 min
